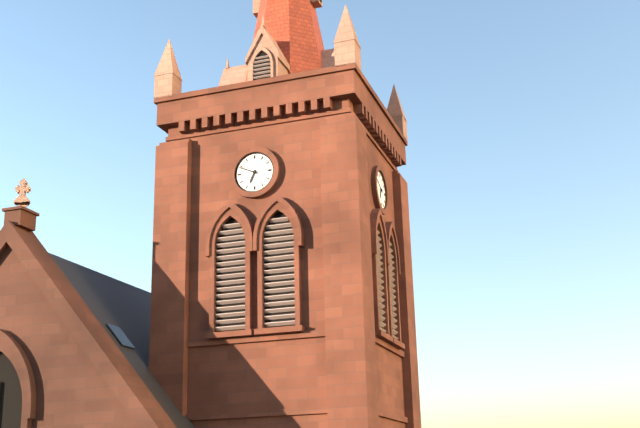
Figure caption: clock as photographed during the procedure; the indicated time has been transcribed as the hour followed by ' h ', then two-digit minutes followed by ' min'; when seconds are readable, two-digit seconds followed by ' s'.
6 h 49 min
